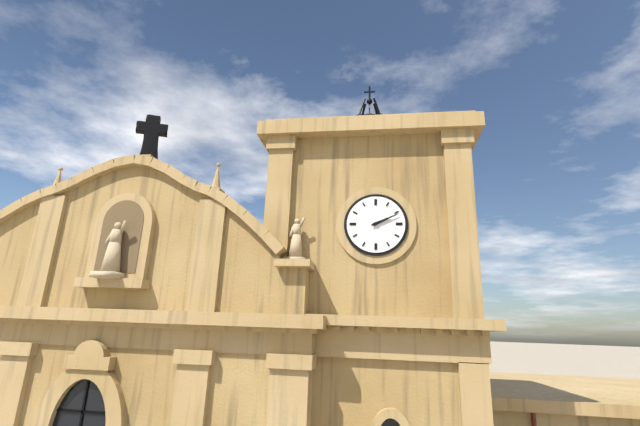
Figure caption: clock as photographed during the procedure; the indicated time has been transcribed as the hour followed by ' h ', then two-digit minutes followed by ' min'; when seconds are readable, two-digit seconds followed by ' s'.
2 h 11 min
